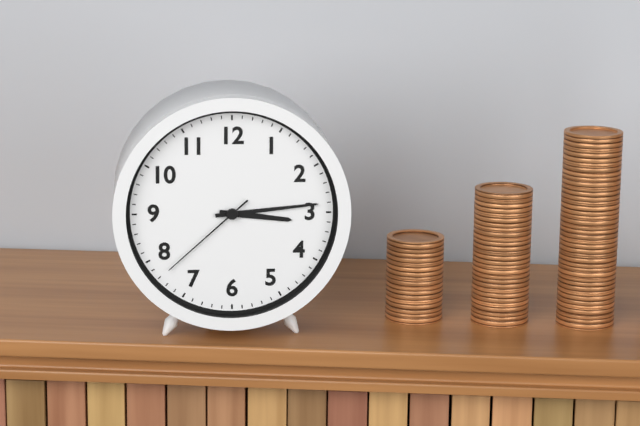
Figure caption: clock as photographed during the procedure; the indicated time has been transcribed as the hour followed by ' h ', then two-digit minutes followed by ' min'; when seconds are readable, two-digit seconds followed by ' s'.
3 h 14 min 38 s
